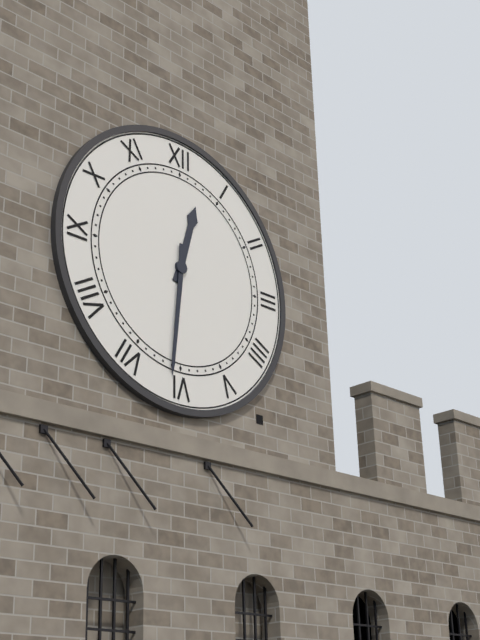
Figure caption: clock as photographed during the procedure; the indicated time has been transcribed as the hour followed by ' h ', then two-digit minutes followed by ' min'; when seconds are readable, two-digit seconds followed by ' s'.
12 h 31 min
